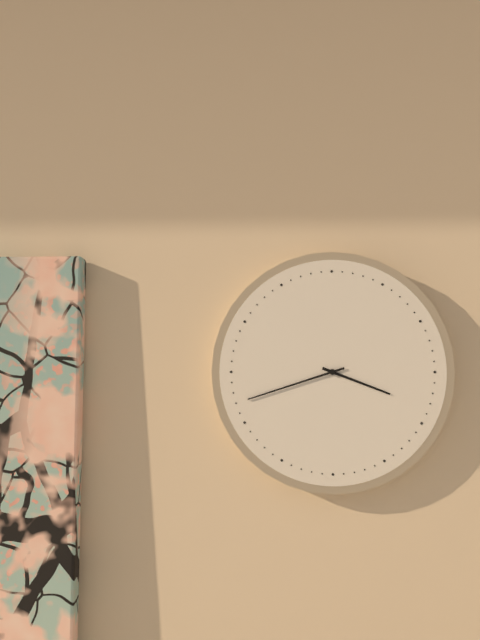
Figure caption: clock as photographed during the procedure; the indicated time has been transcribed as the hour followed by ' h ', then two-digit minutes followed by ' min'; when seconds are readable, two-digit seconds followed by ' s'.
3 h 42 min
